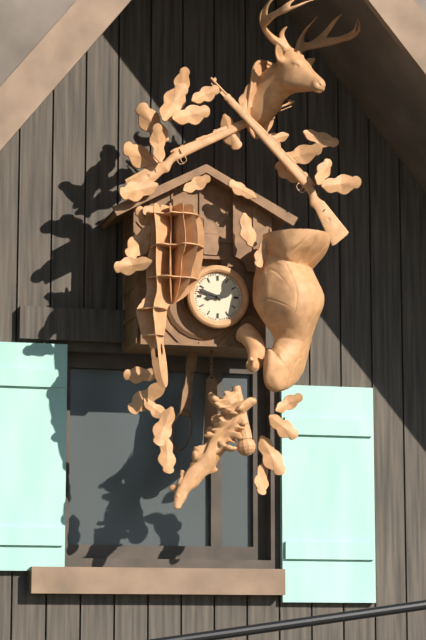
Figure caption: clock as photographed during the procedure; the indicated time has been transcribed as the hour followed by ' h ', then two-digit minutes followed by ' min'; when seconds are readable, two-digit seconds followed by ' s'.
8 h 48 min
